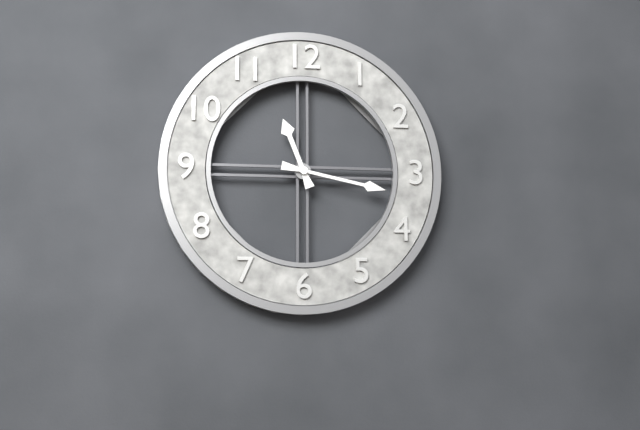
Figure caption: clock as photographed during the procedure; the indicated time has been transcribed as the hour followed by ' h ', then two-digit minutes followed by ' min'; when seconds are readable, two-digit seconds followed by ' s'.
11 h 17 min
